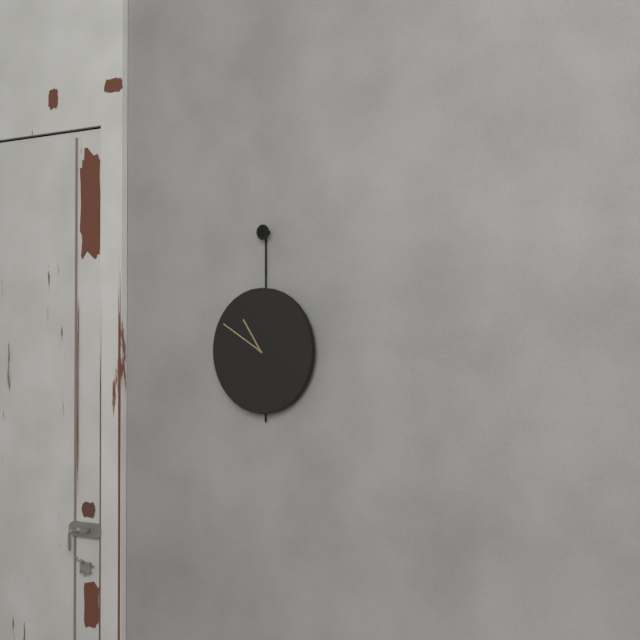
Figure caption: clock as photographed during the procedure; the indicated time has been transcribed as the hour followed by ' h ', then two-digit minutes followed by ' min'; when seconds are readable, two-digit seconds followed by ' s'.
10 h 50 min
